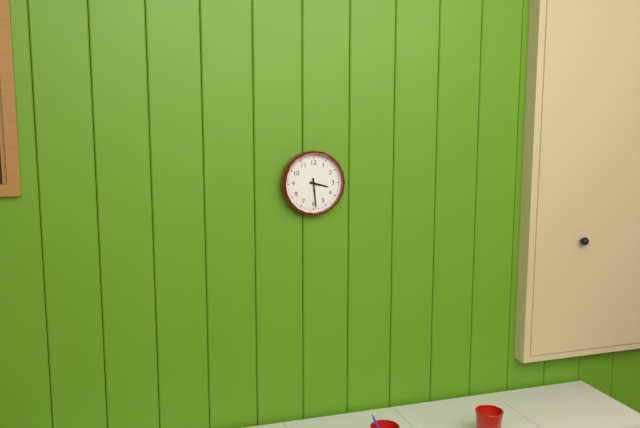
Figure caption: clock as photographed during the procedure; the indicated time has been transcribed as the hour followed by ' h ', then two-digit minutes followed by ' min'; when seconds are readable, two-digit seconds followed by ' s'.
3 h 29 min
